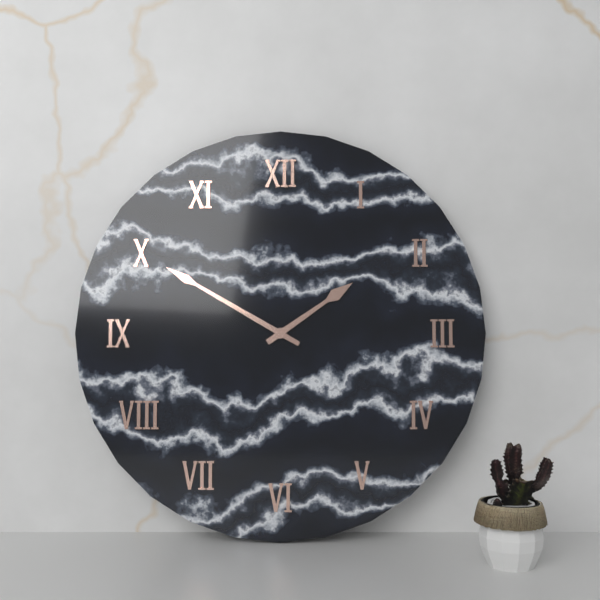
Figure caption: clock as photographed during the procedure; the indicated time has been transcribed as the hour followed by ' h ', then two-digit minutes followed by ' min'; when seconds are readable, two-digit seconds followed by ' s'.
1 h 50 min
